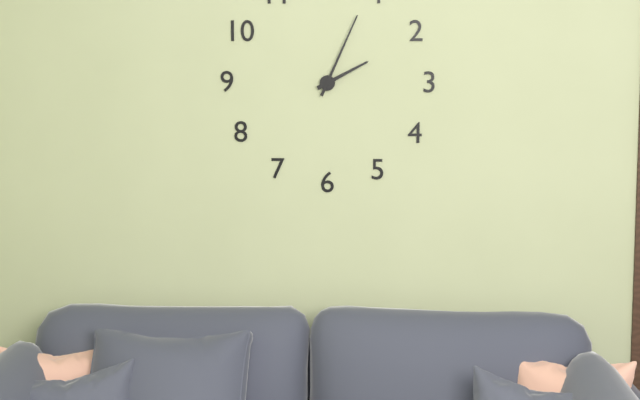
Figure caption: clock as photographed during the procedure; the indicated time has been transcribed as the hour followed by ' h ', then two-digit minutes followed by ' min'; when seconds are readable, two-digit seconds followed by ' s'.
2 h 04 min
